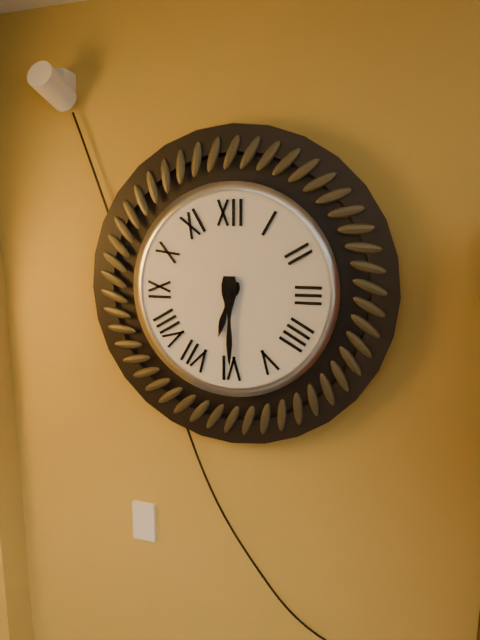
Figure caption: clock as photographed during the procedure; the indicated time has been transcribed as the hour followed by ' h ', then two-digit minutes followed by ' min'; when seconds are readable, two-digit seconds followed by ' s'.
6 h 30 min
